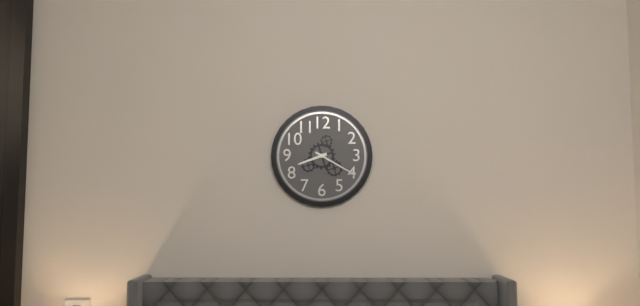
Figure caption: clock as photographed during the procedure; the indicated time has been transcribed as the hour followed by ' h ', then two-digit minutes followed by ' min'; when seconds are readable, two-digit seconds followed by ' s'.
8 h 20 min
